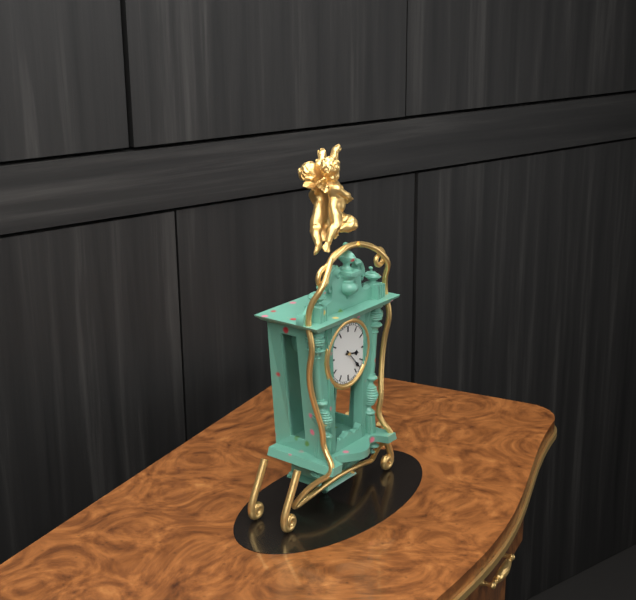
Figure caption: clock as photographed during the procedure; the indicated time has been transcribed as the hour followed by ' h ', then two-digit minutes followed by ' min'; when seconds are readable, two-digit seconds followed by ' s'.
3 h 23 min
